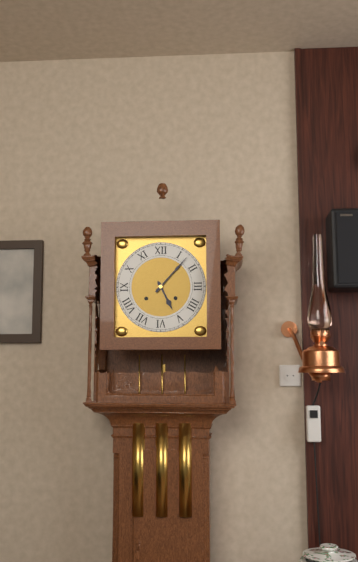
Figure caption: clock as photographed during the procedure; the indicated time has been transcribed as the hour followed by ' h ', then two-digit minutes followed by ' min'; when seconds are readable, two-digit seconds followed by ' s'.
5 h 07 min
